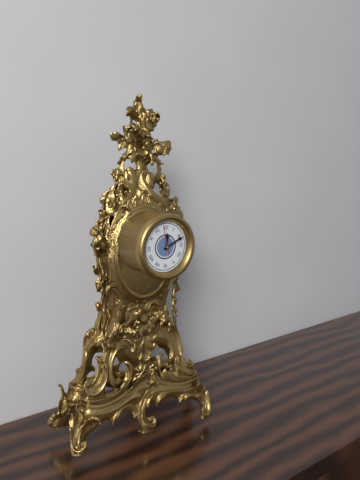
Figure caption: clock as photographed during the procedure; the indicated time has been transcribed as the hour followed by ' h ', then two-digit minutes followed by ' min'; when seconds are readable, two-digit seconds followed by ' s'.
12 h 11 min
